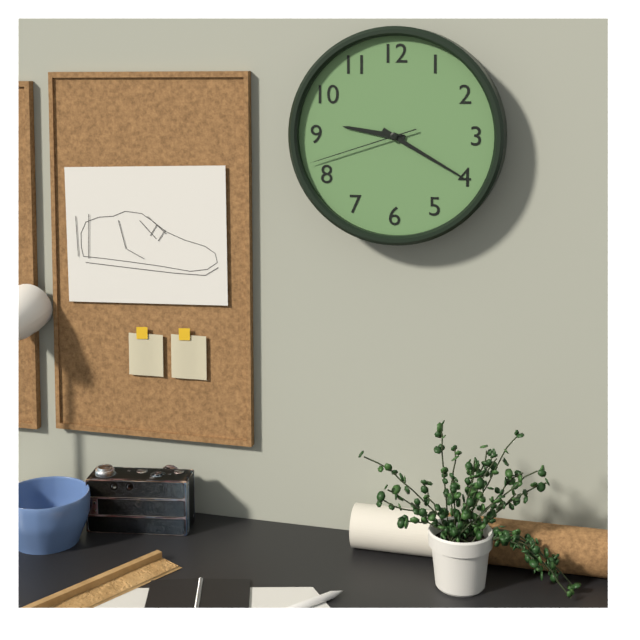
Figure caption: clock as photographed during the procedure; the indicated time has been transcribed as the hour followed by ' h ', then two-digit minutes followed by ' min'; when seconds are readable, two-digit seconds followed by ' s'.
9 h 20 min 42 s
